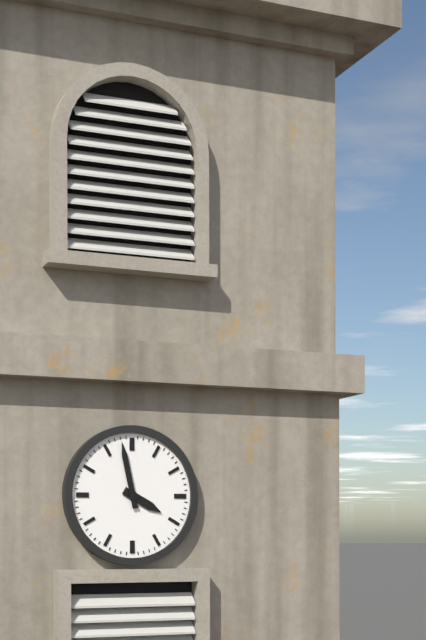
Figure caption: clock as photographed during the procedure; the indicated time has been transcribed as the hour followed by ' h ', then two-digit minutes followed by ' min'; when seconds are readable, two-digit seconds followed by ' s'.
3 h 58 min
